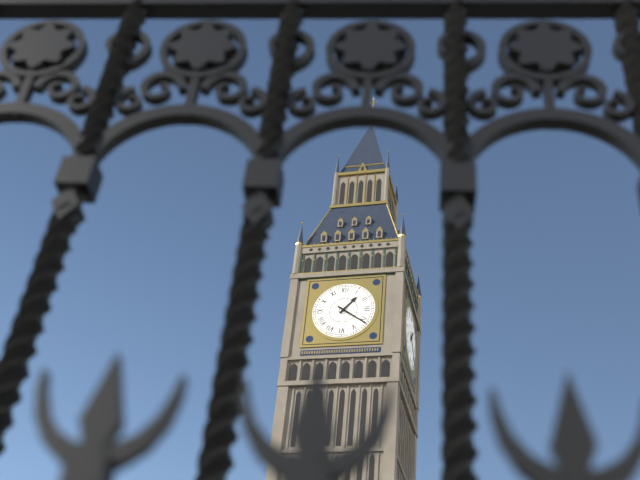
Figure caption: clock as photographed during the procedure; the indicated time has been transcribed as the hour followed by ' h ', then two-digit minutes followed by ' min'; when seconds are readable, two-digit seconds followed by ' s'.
1 h 21 min
